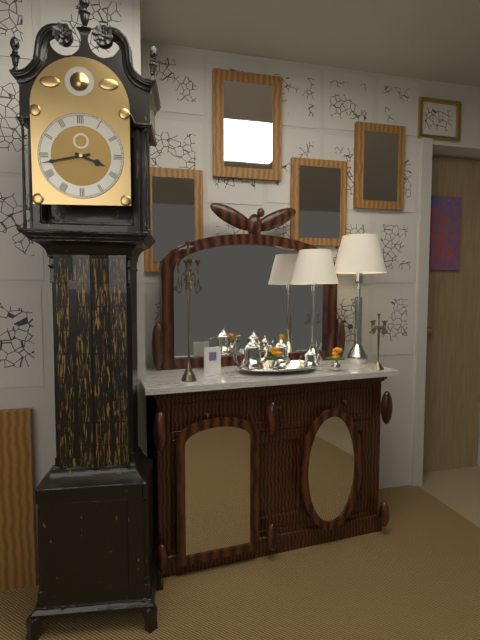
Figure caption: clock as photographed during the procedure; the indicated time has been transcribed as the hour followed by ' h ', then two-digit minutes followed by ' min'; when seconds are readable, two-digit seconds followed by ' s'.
3 h 43 min
